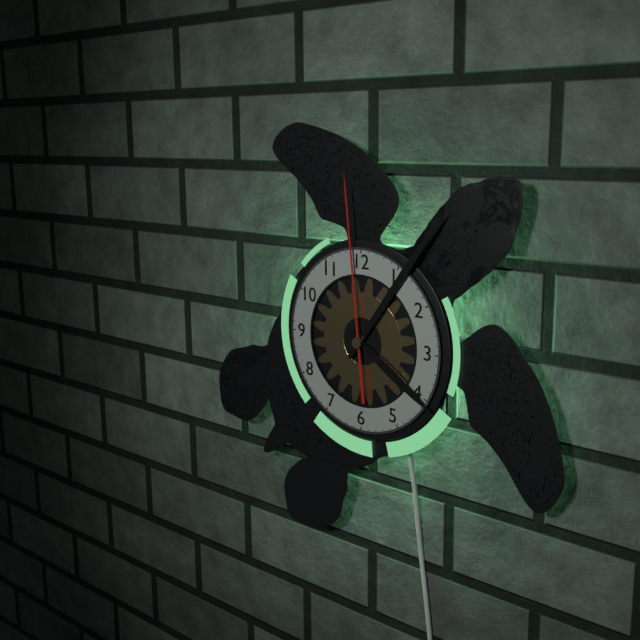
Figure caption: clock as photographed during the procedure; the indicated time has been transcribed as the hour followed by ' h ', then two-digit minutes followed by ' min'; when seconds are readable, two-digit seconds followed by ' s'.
4 h 06 min 59 s
